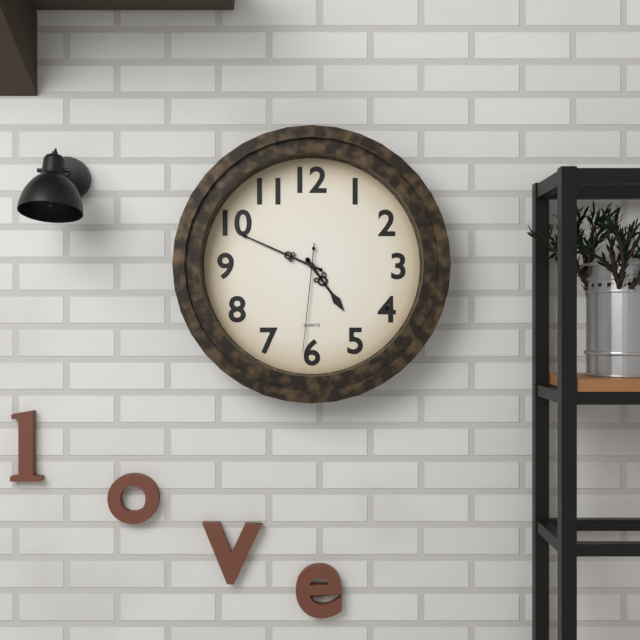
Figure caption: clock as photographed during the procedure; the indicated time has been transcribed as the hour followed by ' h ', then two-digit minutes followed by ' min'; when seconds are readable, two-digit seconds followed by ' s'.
4 h 49 min 31 s
